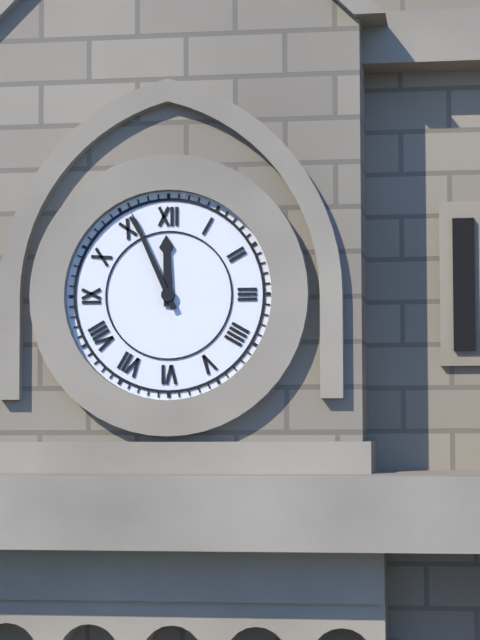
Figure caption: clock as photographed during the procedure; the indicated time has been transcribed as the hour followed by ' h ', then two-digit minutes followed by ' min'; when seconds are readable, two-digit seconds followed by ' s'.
11 h 56 min
